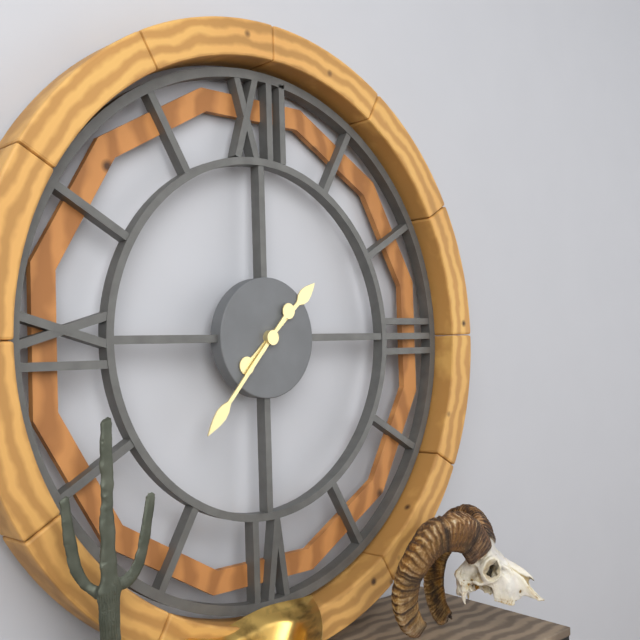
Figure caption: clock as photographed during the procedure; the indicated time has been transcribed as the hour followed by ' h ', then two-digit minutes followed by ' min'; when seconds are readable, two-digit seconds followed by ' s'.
1 h 37 min
